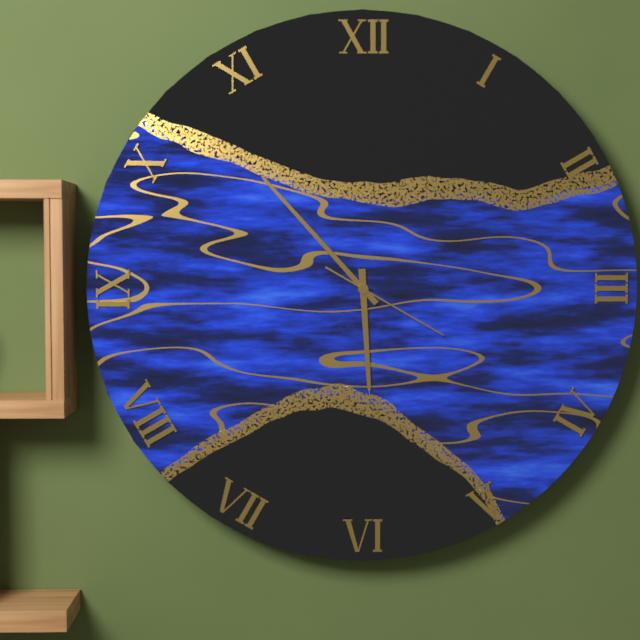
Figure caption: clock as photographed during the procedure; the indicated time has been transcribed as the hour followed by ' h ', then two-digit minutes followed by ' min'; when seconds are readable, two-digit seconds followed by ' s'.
5 h 53 min 20 s
